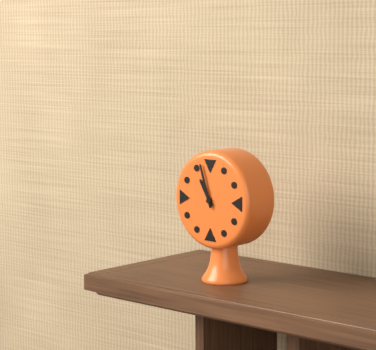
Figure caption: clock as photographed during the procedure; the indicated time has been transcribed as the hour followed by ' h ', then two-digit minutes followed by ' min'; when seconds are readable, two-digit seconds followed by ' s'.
10 h 57 min
